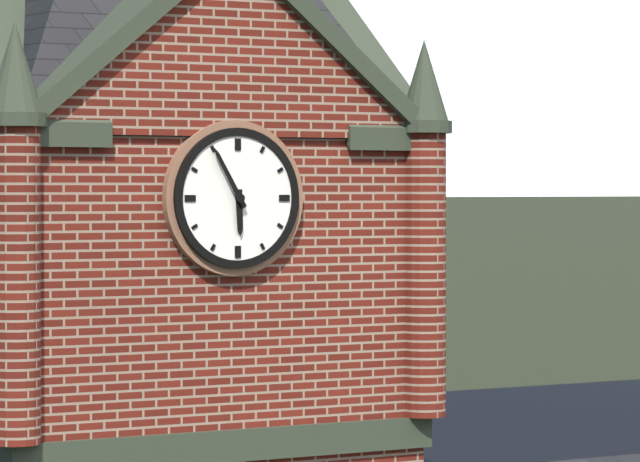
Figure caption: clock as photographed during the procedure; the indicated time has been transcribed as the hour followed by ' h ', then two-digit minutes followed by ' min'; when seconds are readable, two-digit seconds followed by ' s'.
5 h 55 min
